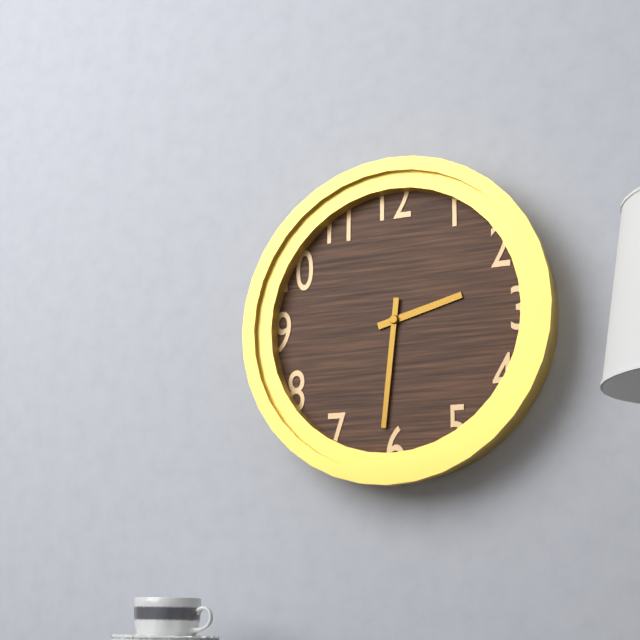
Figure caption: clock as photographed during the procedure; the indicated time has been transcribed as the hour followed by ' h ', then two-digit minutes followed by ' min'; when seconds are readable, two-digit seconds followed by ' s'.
2 h 31 min
